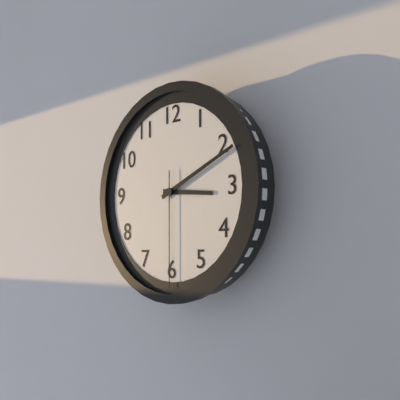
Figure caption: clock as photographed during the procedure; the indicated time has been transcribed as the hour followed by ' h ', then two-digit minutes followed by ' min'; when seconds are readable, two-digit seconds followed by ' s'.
3 h 11 min 30 s
